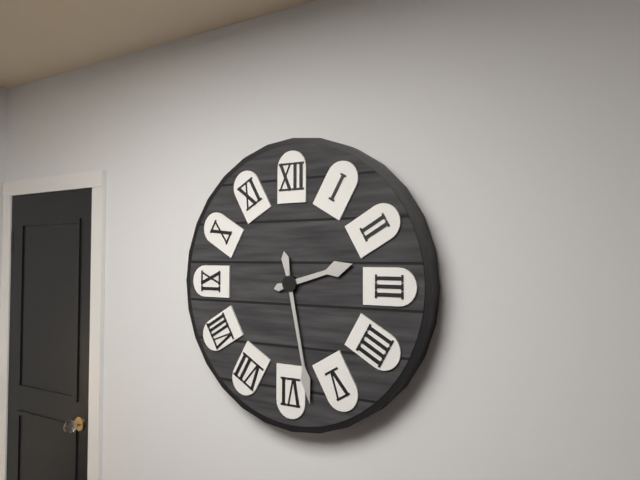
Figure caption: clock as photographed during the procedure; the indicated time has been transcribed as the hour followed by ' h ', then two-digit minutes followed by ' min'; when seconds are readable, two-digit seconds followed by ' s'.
2 h 28 min
